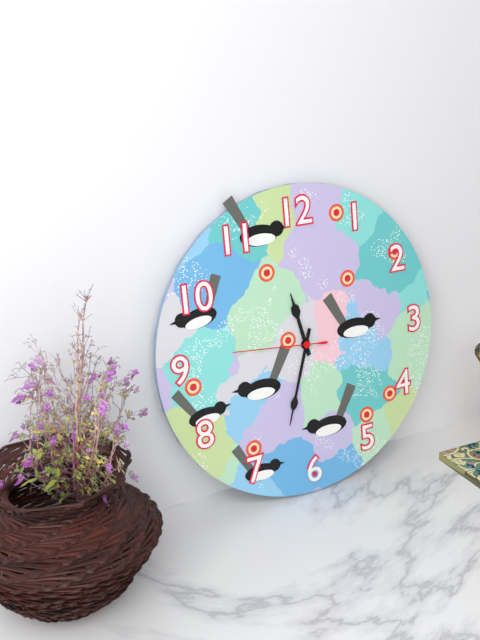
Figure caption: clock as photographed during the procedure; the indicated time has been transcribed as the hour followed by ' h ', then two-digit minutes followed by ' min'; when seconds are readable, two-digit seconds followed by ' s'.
11 h 33 min 46 s
